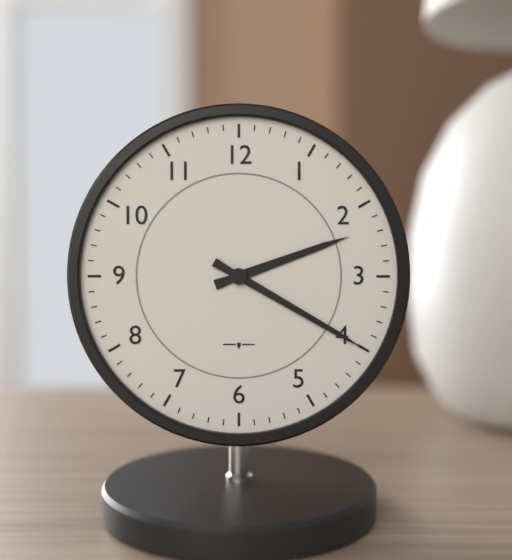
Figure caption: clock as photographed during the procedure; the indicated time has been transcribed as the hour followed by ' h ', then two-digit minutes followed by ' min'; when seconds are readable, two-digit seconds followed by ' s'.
2 h 20 min
